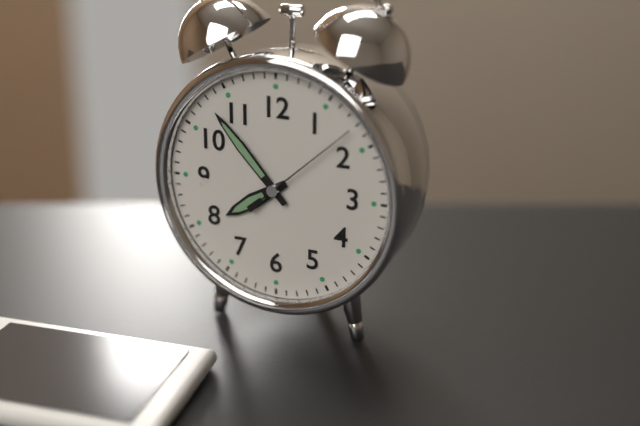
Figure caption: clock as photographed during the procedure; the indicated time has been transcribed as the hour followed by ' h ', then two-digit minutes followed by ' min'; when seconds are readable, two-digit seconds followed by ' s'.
7 h 53 min 08 s
